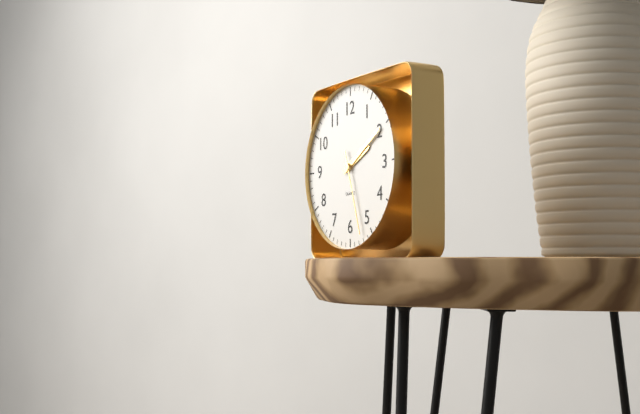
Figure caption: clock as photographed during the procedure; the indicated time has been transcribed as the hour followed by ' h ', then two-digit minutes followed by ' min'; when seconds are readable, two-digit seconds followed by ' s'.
2 h 10 min 27 s
